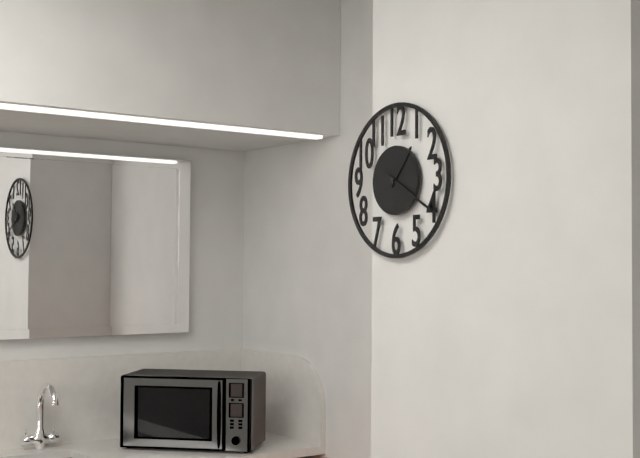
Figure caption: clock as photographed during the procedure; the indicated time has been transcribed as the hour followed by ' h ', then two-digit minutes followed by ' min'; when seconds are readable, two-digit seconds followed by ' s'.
1 h 20 min
